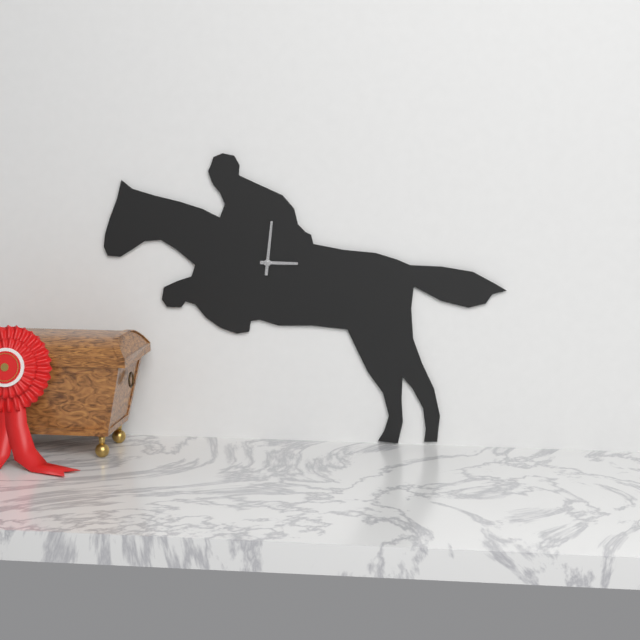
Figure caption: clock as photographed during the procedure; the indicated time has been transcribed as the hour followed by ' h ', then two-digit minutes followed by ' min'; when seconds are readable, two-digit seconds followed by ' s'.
3 h 01 min
